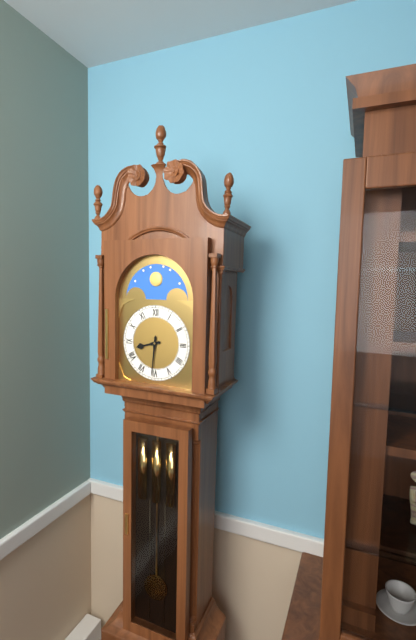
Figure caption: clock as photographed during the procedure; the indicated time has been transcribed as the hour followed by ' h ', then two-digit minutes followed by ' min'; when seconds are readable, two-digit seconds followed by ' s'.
8 h 31 min
